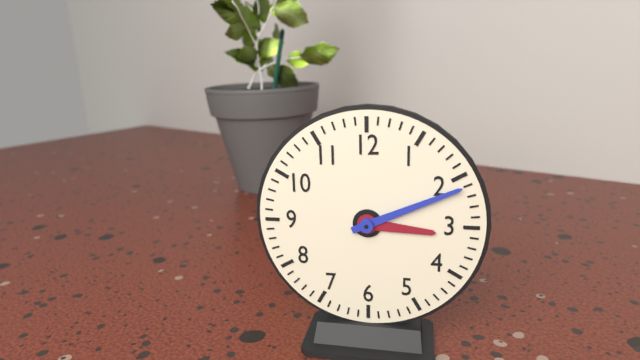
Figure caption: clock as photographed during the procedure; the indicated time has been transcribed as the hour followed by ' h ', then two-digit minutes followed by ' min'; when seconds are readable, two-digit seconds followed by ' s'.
3 h 11 min
